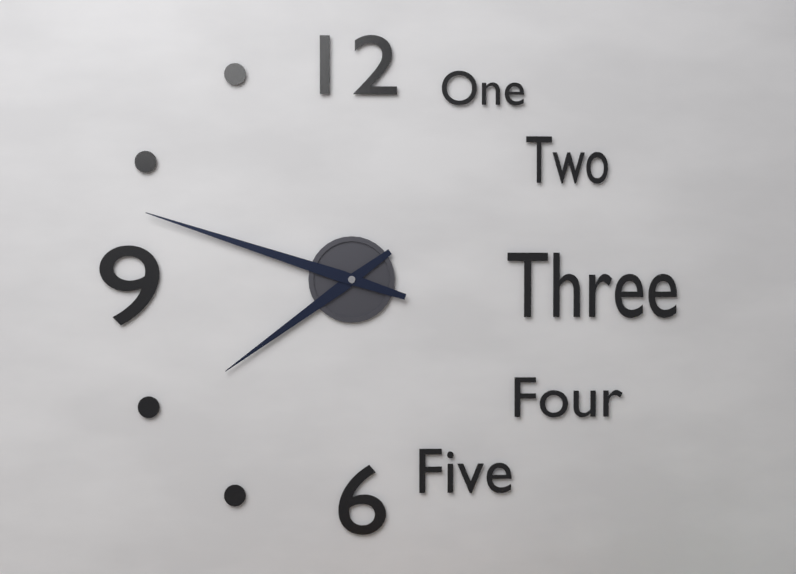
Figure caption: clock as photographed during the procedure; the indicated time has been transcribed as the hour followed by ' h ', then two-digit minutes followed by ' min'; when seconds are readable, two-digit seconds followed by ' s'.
7 h 48 min
